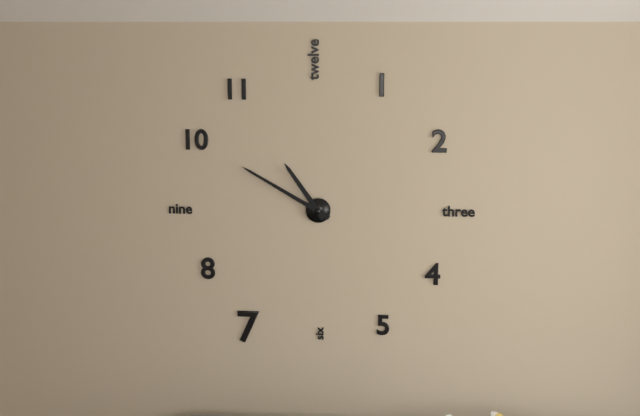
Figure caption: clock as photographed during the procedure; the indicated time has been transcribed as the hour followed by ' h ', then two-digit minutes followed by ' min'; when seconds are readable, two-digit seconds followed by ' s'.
10 h 50 min
